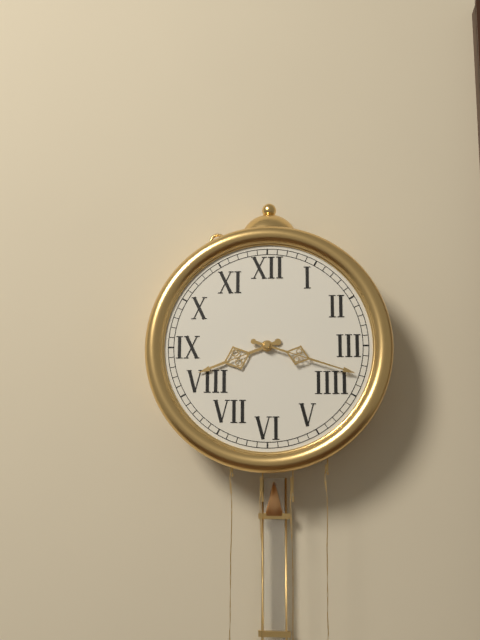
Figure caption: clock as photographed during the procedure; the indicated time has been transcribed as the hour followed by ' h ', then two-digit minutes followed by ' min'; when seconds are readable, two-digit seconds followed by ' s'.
8 h 18 min
